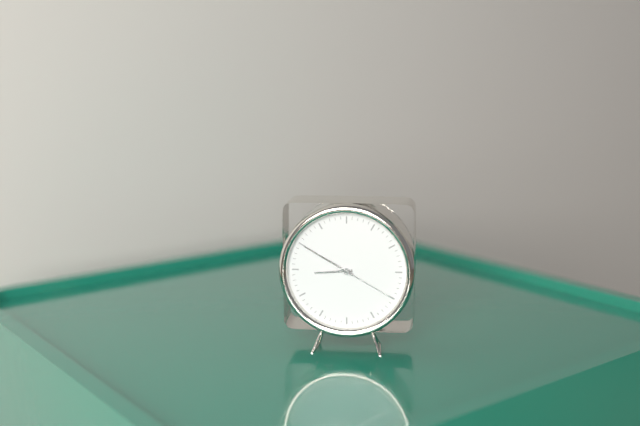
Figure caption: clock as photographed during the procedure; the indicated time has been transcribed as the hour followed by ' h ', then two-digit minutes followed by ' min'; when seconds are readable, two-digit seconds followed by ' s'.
8 h 50 min 20 s
